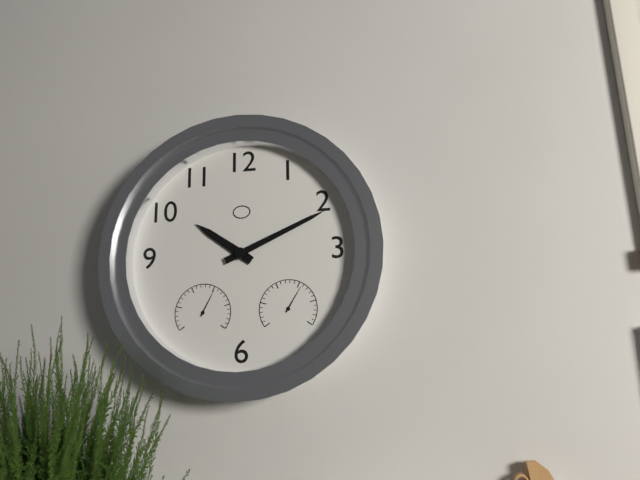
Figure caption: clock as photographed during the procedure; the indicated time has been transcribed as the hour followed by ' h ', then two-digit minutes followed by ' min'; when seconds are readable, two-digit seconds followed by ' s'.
10 h 11 min
